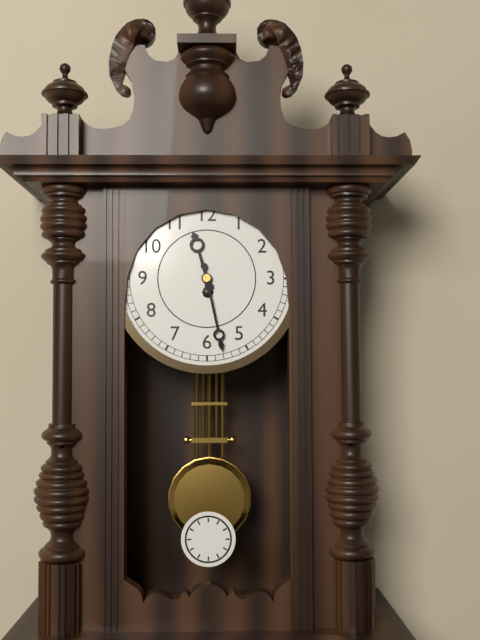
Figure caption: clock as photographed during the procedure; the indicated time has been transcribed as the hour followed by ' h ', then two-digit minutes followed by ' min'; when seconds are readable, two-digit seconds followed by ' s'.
11 h 28 min
